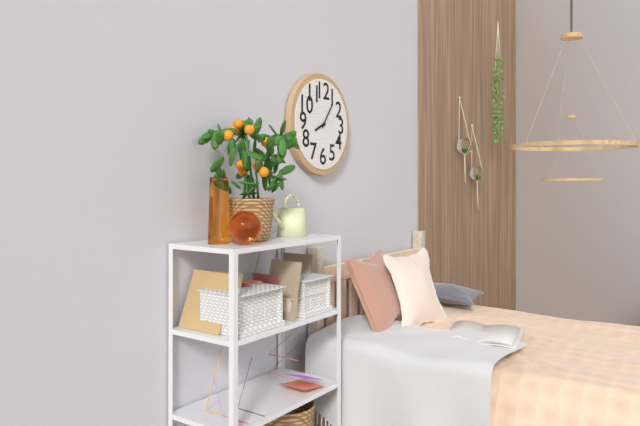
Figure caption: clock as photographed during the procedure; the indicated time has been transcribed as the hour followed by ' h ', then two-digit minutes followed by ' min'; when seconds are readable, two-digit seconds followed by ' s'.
8 h 06 min
